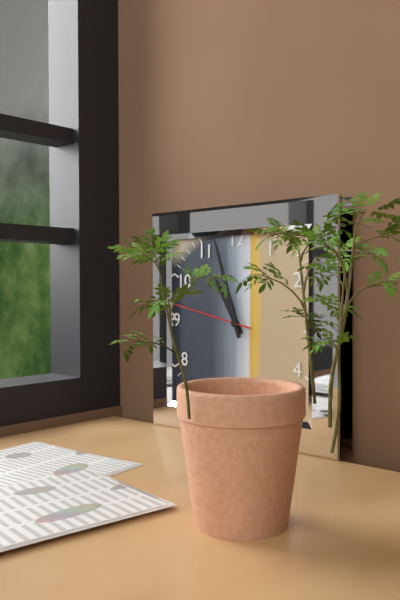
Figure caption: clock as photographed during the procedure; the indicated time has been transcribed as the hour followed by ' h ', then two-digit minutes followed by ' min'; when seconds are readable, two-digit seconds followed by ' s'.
10 h 57 min 47 s
